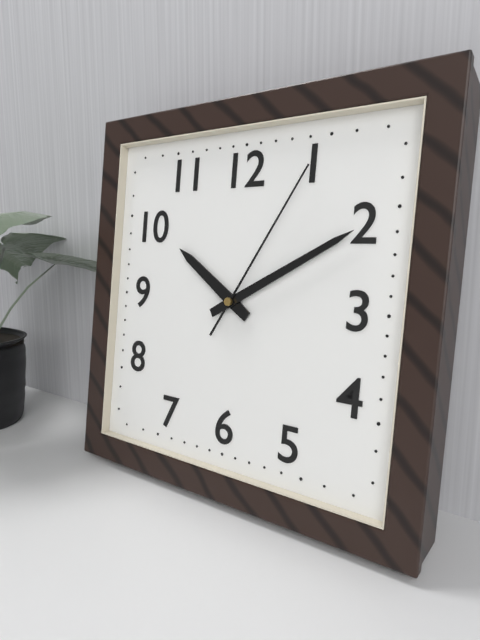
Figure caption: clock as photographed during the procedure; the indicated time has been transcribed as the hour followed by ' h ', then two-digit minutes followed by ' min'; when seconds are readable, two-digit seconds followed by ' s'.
10 h 10 min 05 s
